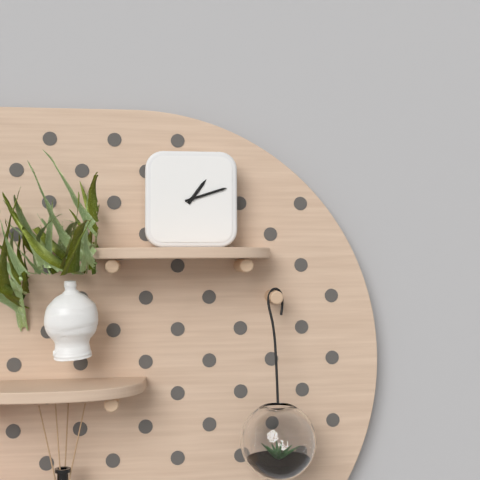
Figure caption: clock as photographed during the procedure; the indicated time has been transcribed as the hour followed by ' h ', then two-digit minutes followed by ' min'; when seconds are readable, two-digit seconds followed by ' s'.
1 h 12 min
